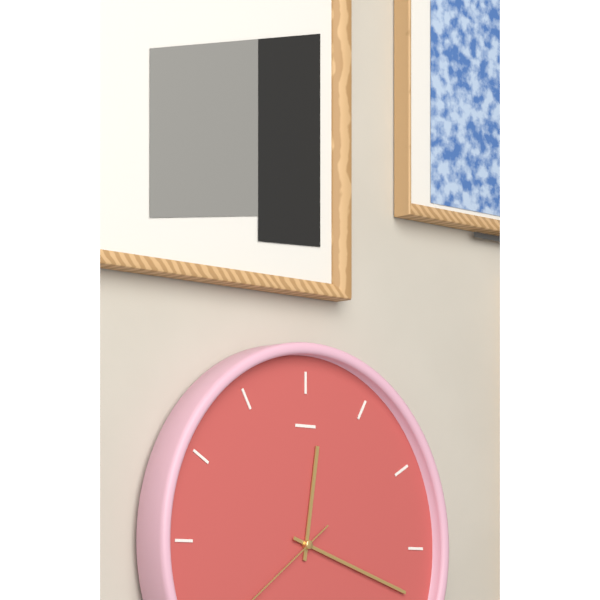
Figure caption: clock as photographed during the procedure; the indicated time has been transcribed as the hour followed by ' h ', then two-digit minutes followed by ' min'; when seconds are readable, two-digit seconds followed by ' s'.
12 h 18 min
